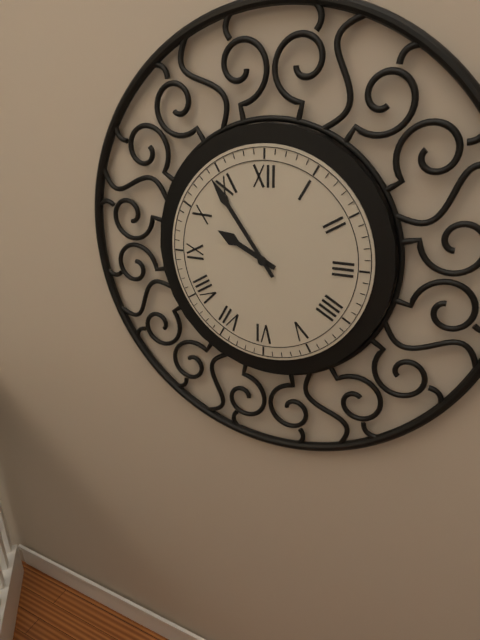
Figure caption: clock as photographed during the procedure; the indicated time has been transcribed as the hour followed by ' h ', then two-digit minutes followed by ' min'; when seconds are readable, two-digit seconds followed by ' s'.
9 h 54 min
